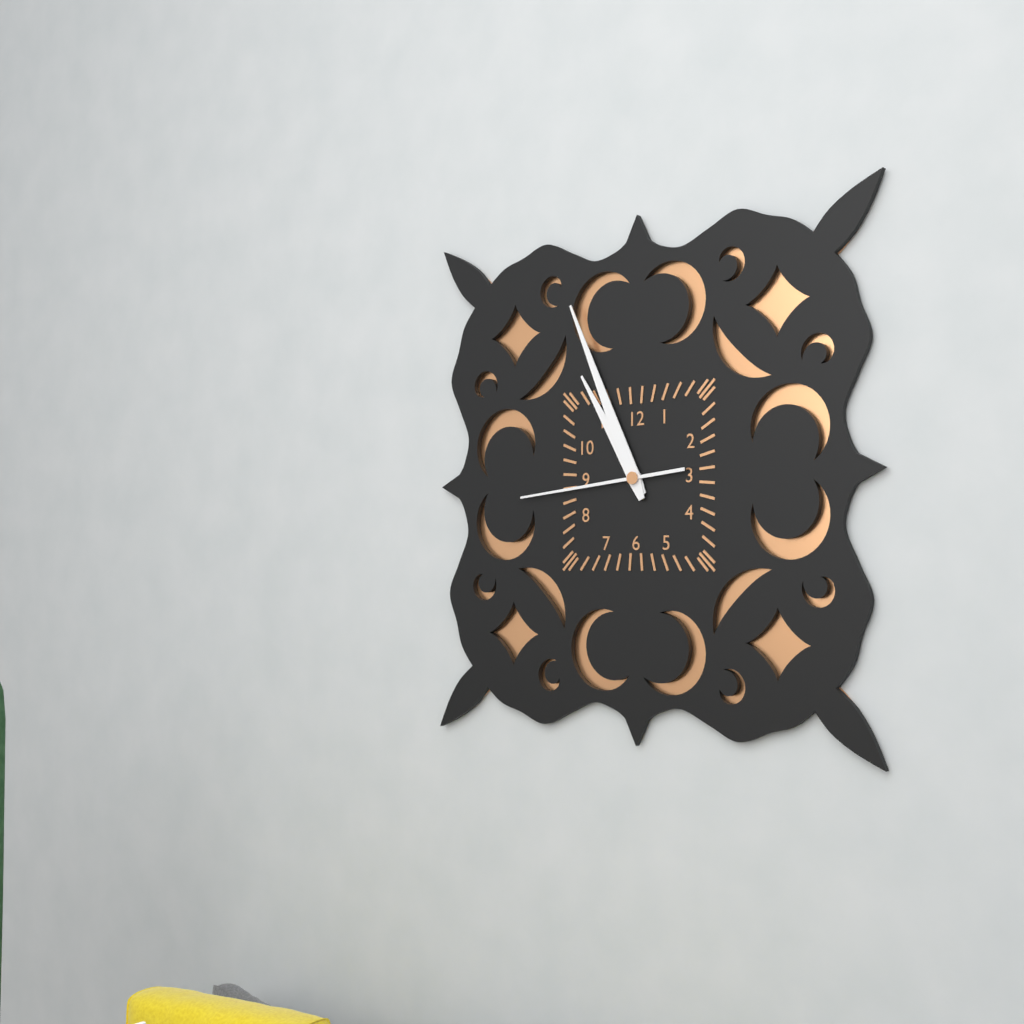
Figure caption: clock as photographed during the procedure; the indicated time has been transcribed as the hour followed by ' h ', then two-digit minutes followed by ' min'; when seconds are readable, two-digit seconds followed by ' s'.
10 h 56 min 44 s
